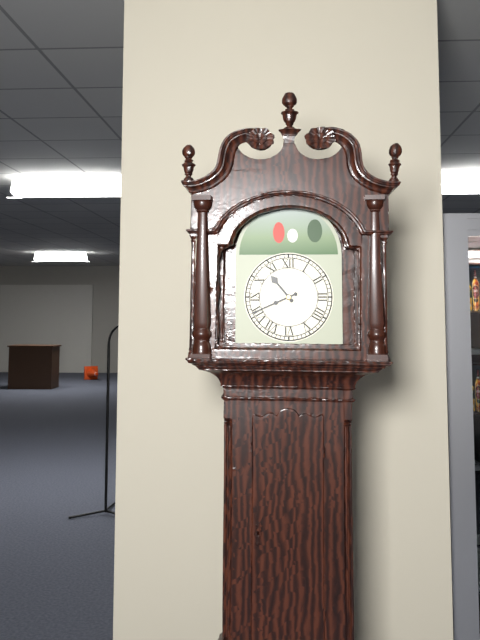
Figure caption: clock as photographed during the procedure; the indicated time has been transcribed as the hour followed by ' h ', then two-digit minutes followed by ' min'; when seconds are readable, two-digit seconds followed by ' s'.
10 h 41 min
